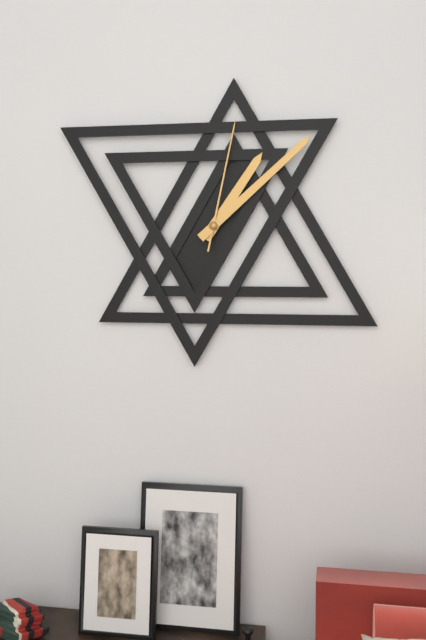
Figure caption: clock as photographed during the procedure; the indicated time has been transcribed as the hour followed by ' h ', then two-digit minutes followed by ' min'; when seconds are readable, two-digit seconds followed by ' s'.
1 h 08 min 02 s
